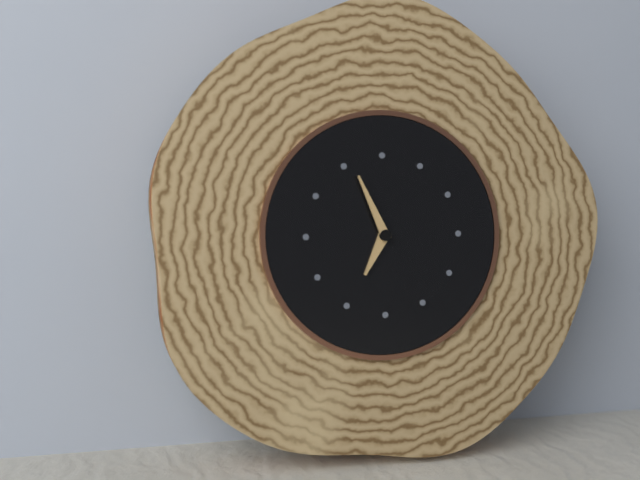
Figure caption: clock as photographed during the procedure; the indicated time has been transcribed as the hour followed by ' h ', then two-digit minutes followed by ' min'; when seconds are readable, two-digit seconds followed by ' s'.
6 h 56 min
